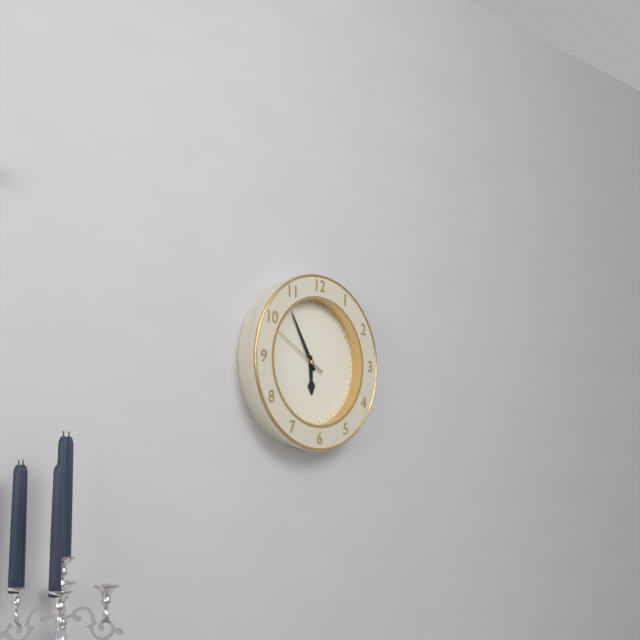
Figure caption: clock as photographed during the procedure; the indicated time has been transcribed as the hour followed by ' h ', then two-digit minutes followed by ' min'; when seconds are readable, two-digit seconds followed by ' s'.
5 h 55 min 50 s
